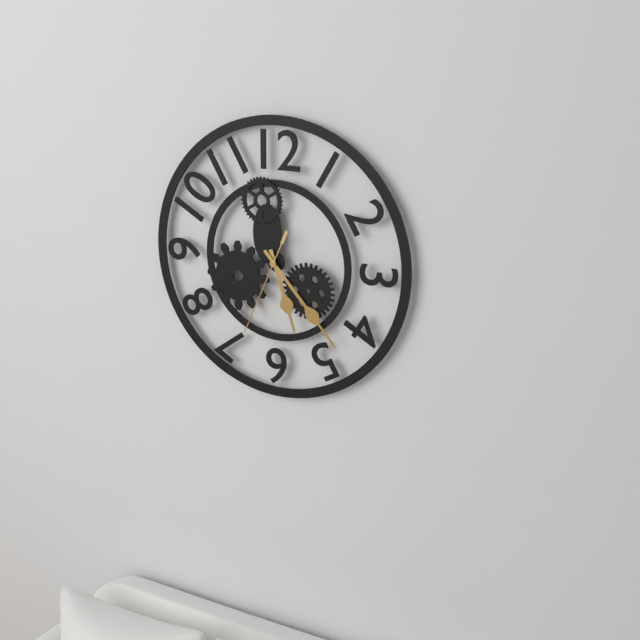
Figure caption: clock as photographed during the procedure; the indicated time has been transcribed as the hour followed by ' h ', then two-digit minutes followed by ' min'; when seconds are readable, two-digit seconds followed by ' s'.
5 h 23 min 34 s
